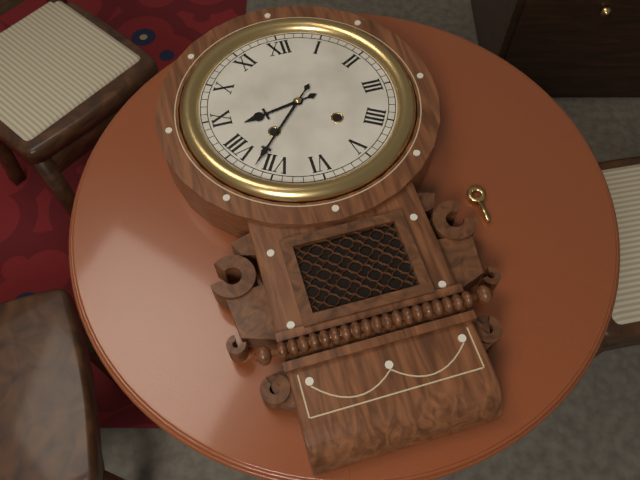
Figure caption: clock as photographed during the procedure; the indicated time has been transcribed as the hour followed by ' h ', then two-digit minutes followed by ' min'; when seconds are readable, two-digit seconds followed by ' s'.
8 h 37 min
